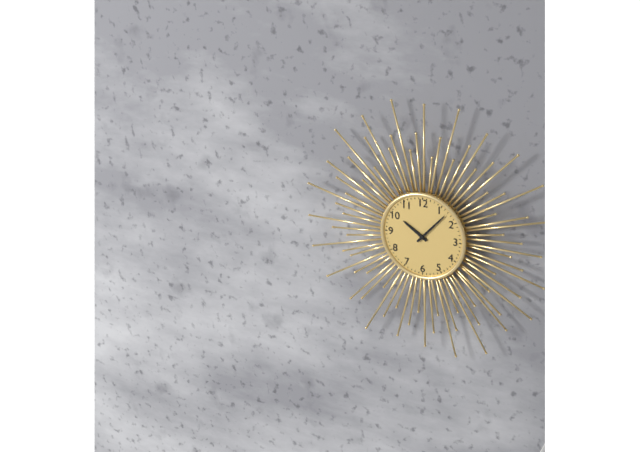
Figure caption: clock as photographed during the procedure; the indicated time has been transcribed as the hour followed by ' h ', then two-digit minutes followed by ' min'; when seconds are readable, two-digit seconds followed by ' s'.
10 h 07 min
